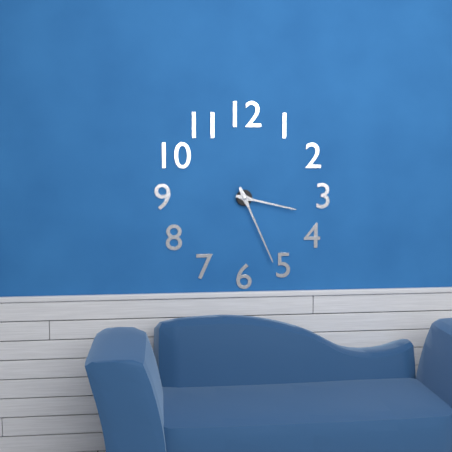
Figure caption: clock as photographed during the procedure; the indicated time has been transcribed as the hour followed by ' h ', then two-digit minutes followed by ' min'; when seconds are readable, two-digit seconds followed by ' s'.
3 h 26 min
